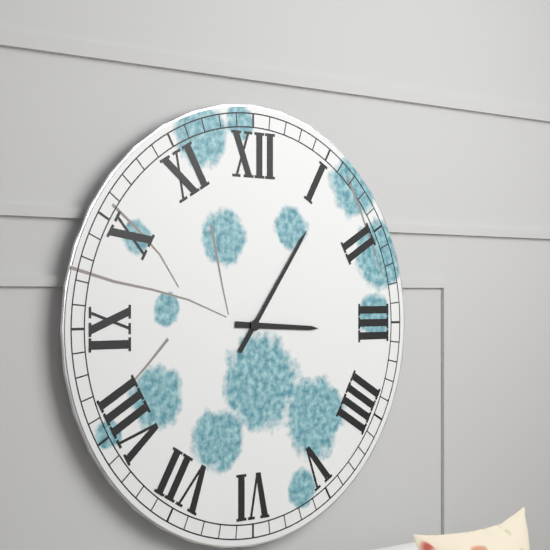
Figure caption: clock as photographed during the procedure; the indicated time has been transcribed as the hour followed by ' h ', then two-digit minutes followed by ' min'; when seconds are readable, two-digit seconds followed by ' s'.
3 h 06 min
